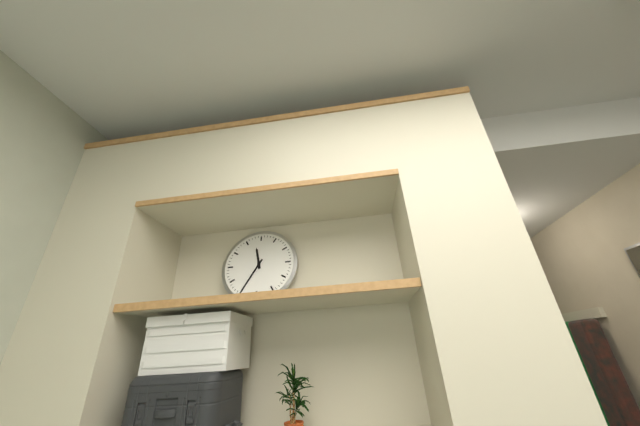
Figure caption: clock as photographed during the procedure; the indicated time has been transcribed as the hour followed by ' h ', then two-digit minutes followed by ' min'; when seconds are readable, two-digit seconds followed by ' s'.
11 h 35 min
